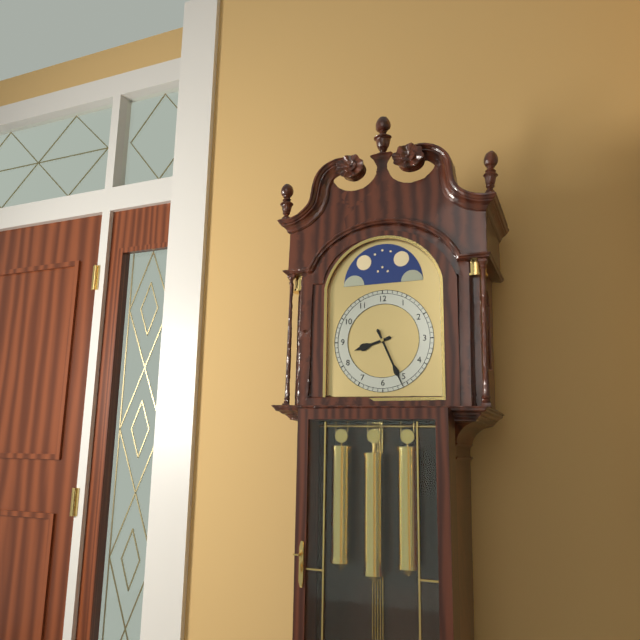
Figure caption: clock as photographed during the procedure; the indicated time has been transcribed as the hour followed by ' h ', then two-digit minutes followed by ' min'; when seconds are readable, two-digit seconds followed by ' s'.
8 h 26 min
